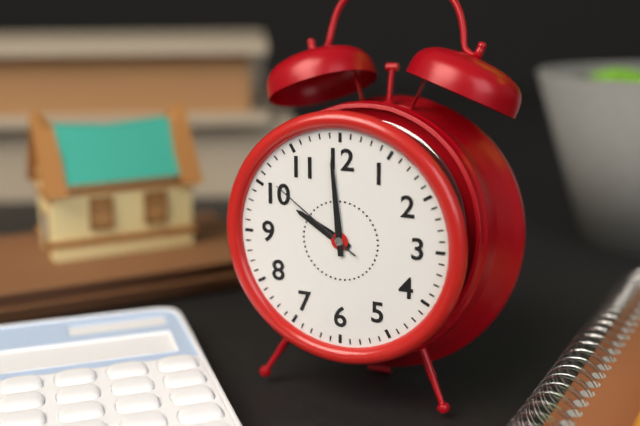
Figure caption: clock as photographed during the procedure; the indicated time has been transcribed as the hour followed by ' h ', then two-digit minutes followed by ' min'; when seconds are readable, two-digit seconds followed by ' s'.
9 h 59 min 51 s
